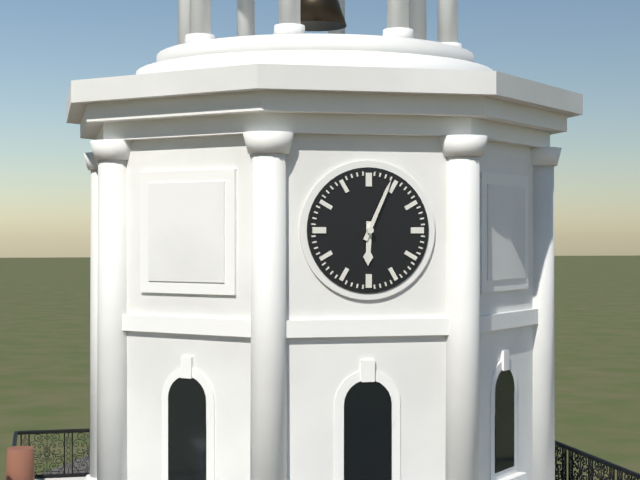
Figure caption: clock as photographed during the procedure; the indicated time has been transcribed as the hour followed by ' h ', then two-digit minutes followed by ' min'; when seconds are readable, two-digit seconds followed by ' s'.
6 h 04 min
